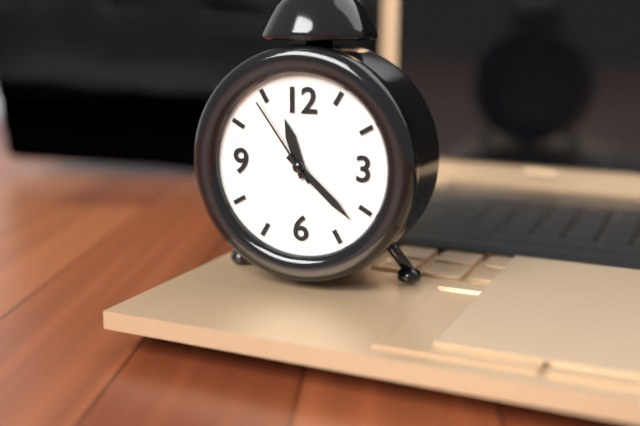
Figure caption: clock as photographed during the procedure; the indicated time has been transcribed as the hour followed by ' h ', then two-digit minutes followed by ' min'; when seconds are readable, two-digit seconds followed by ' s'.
11 h 22 min 54 s
